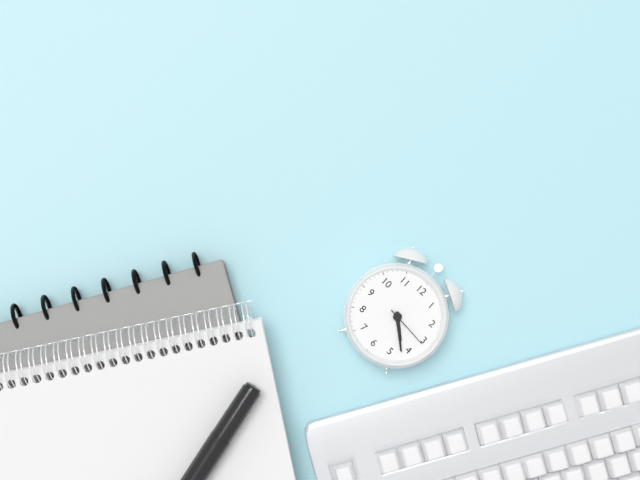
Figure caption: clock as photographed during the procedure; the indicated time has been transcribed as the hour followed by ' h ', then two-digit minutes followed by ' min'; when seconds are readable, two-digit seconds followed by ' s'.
4 h 22 min
